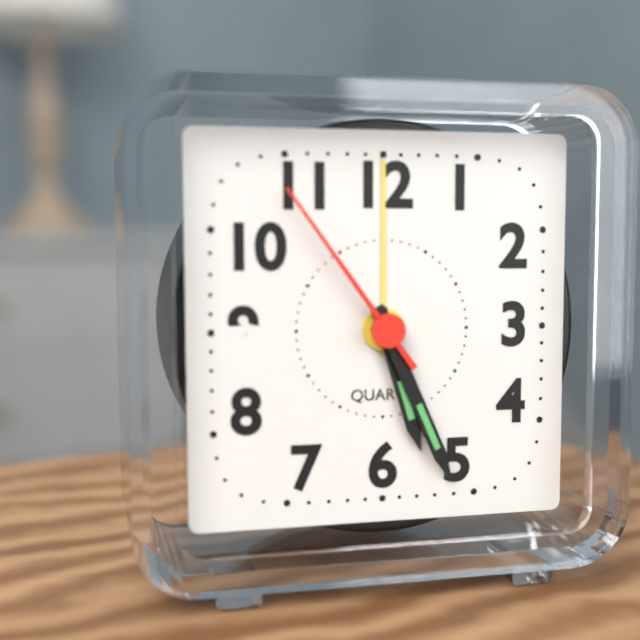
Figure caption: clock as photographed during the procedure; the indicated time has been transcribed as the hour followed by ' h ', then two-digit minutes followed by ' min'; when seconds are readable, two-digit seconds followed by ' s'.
5 h 26 min 54 s
